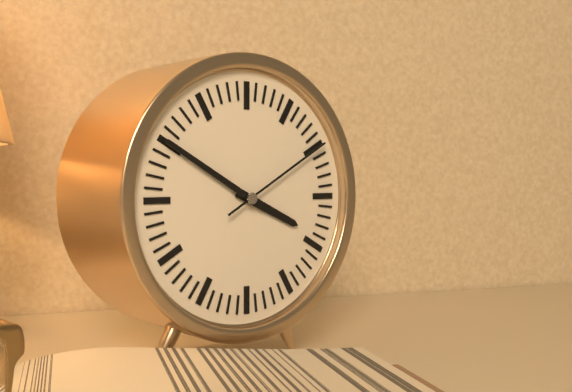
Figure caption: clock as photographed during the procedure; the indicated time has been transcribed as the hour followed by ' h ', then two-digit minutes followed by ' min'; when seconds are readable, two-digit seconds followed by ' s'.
3 h 50 min 10 s
